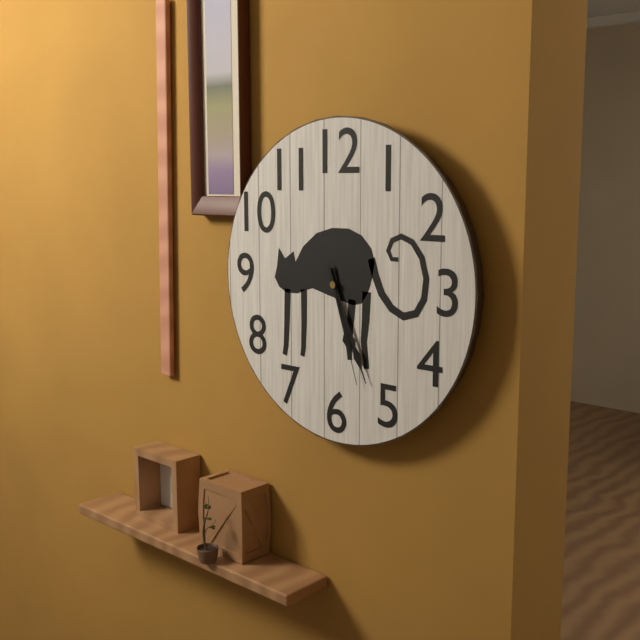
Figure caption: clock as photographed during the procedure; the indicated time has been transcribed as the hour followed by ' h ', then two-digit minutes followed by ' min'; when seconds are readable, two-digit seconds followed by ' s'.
5 h 26 min 27 s
